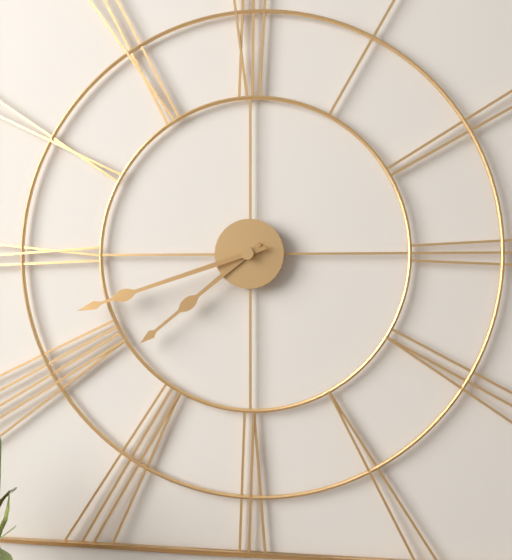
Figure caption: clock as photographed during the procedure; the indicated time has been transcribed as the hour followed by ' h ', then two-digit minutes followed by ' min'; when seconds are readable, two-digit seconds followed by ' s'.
7 h 42 min
